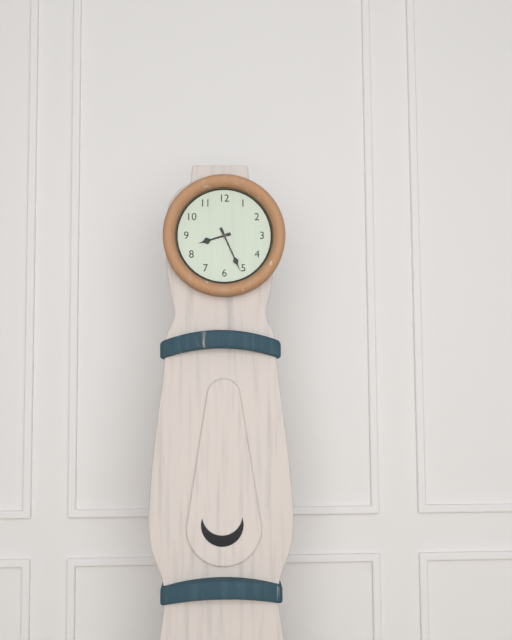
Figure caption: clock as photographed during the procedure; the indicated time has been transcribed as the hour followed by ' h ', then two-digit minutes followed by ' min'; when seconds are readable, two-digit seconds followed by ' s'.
8 h 26 min
